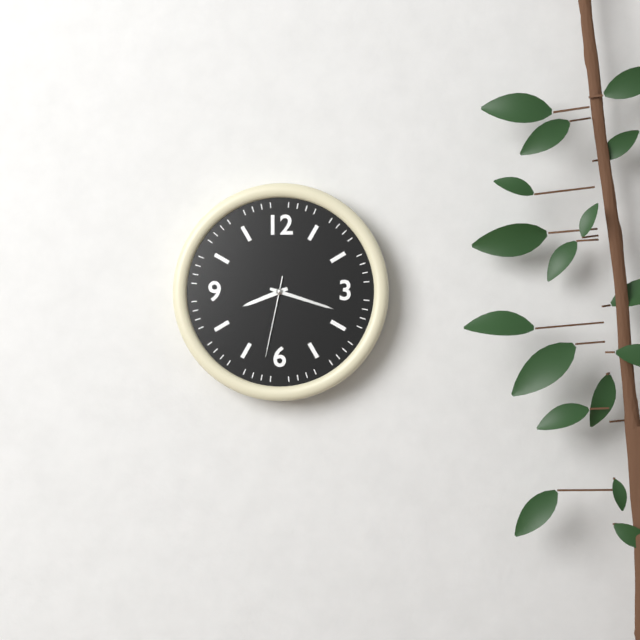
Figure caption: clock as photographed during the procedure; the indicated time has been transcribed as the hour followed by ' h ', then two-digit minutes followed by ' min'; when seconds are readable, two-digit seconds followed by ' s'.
8 h 18 min 32 s
